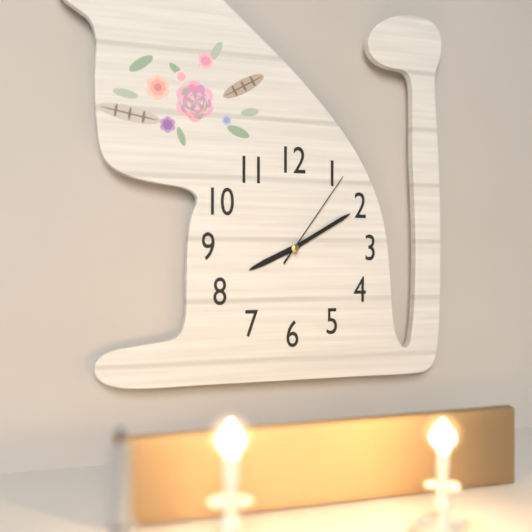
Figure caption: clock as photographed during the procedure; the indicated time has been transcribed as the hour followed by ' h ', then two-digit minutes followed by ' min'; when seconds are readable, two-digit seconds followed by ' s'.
8 h 10 min 06 s
